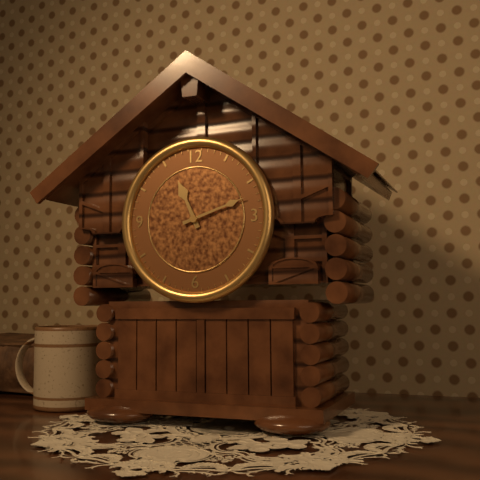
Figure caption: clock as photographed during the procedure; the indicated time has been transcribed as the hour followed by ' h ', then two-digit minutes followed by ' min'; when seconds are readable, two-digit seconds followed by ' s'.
11 h 12 min
